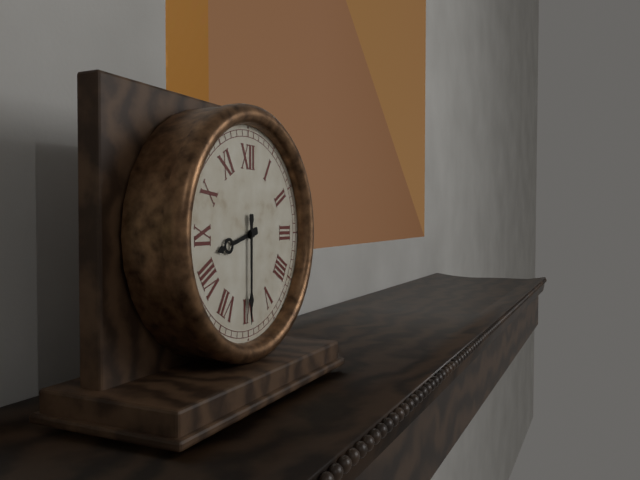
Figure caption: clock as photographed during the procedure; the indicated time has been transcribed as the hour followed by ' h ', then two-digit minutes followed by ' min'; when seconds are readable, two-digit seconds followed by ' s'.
8 h 30 min
